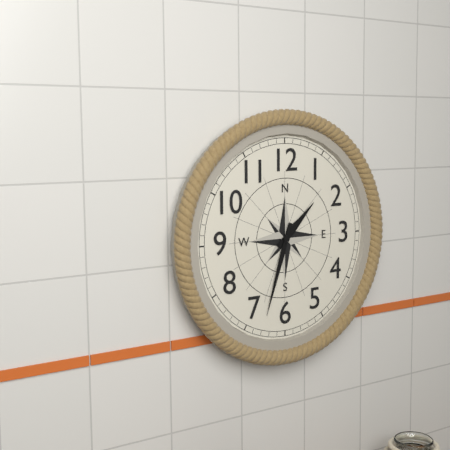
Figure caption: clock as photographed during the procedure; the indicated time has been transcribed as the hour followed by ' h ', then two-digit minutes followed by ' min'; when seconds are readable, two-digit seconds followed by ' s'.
1 h 33 min
